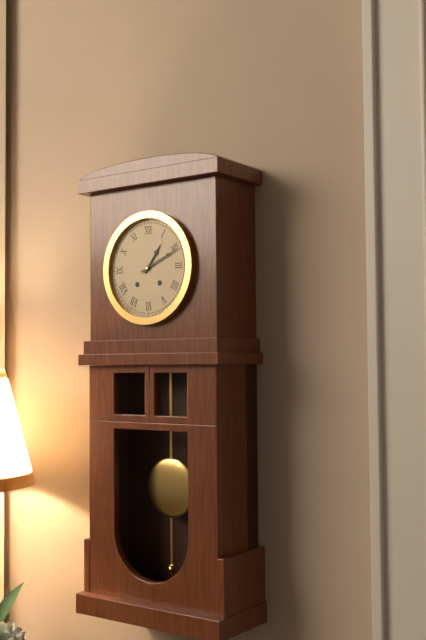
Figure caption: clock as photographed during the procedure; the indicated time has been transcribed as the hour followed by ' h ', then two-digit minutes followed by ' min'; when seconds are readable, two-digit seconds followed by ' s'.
1 h 11 min
